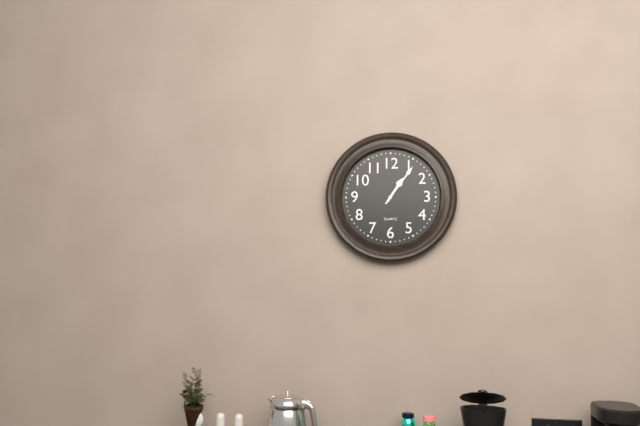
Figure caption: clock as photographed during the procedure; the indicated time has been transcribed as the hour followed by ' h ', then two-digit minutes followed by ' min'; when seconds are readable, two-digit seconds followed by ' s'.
1 h 06 min
